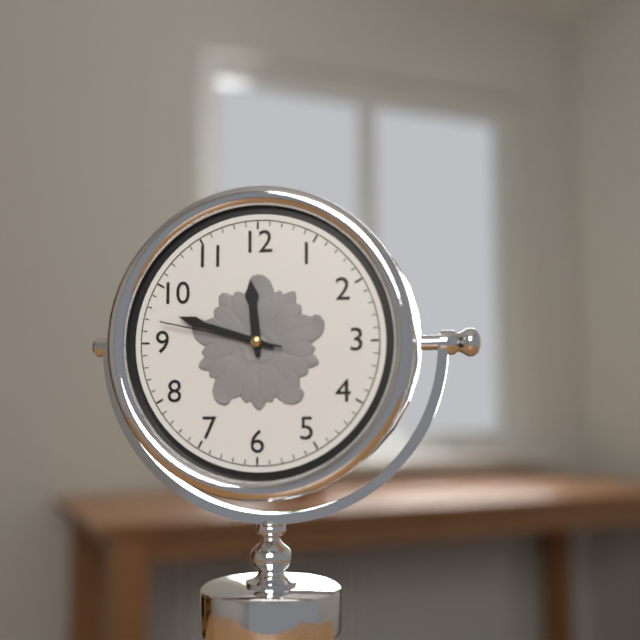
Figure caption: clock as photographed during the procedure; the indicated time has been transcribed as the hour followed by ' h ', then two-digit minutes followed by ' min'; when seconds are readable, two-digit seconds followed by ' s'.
11 h 48 min 47 s
